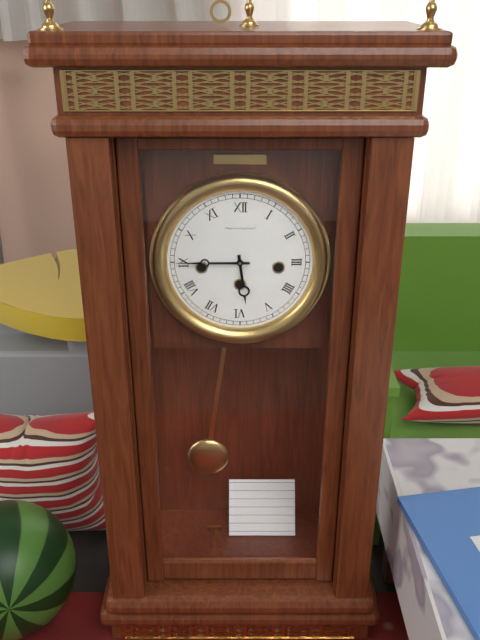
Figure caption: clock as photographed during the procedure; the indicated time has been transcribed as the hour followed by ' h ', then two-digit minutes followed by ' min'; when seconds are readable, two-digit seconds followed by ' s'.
5 h 45 min
